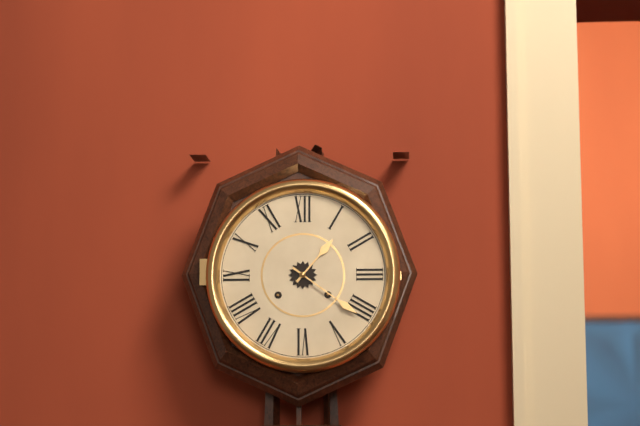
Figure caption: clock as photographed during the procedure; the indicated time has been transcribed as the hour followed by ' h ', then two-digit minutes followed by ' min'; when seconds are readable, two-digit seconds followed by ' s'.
1 h 21 min
